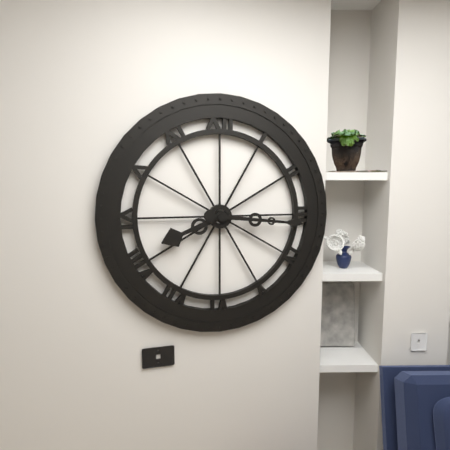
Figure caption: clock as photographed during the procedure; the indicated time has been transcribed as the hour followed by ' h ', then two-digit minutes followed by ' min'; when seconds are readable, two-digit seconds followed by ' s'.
8 h 16 min
